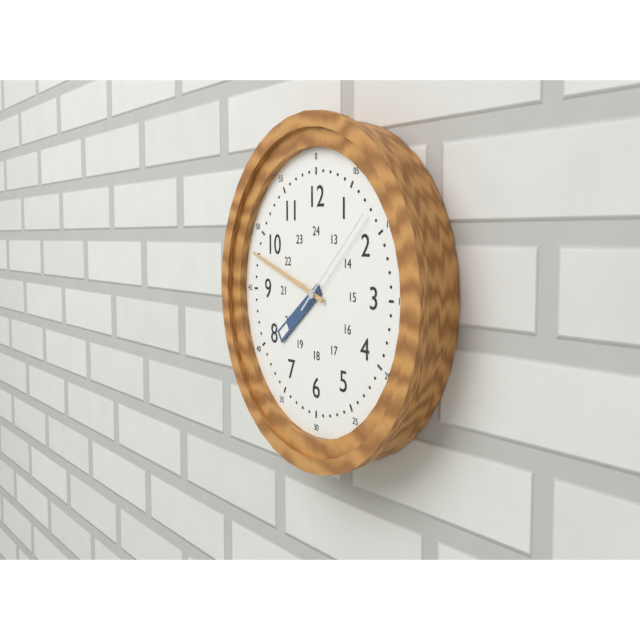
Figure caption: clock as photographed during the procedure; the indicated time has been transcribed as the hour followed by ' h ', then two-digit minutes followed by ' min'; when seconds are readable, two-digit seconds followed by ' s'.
7 h 48 min 08 s
